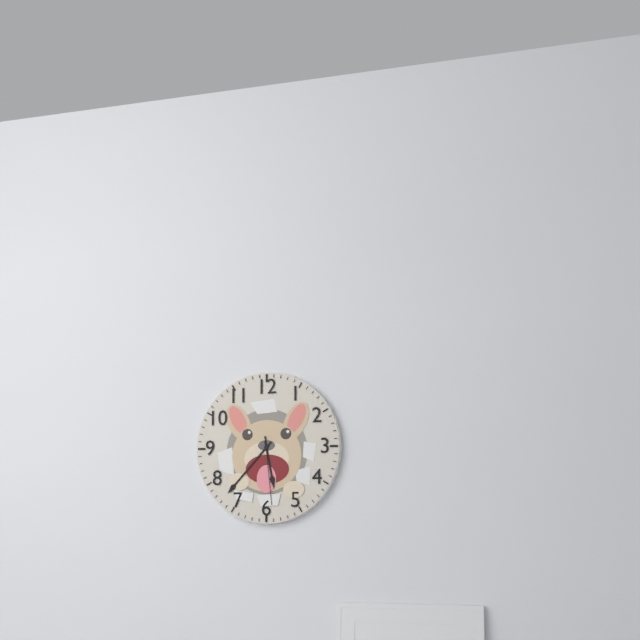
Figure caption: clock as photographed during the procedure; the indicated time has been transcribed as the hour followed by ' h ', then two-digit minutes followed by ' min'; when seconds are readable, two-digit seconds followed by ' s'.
5 h 37 min 29 s
